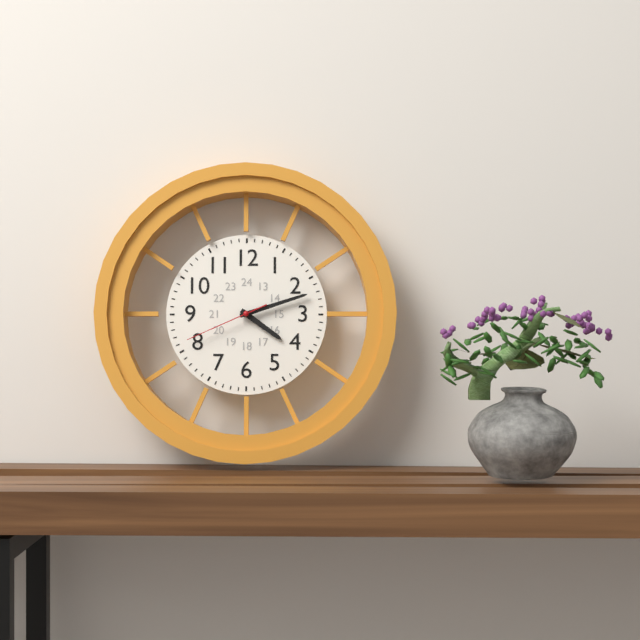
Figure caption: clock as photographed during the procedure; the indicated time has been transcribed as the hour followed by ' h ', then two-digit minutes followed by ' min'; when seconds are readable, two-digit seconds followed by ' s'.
4 h 12 min 41 s
